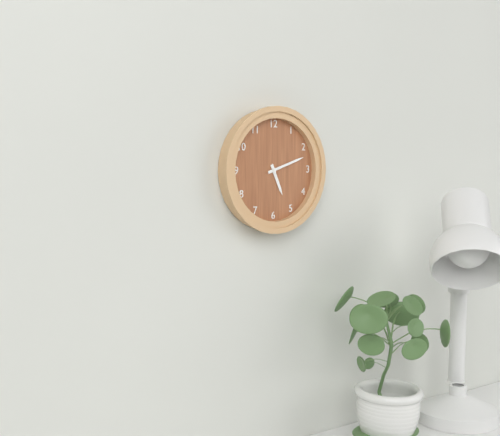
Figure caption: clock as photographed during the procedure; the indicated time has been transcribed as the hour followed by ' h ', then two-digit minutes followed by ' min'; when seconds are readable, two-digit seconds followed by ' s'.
5 h 12 min
